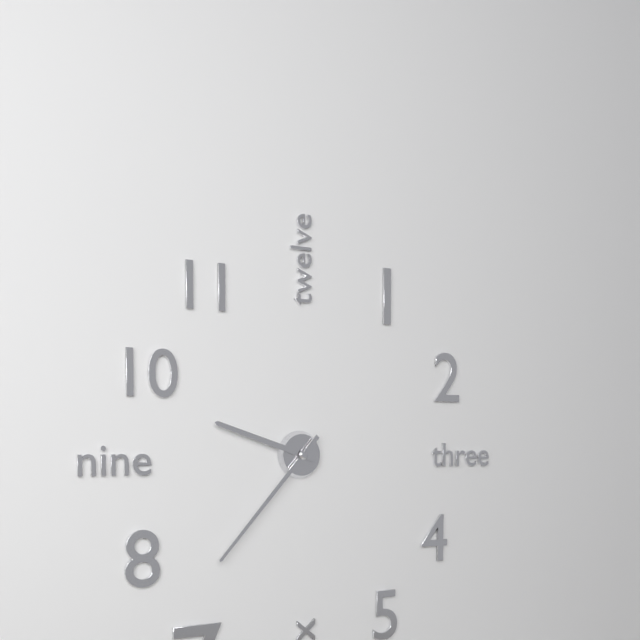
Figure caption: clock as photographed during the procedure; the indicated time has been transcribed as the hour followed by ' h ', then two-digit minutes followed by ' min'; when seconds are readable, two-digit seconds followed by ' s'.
9 h 37 min
